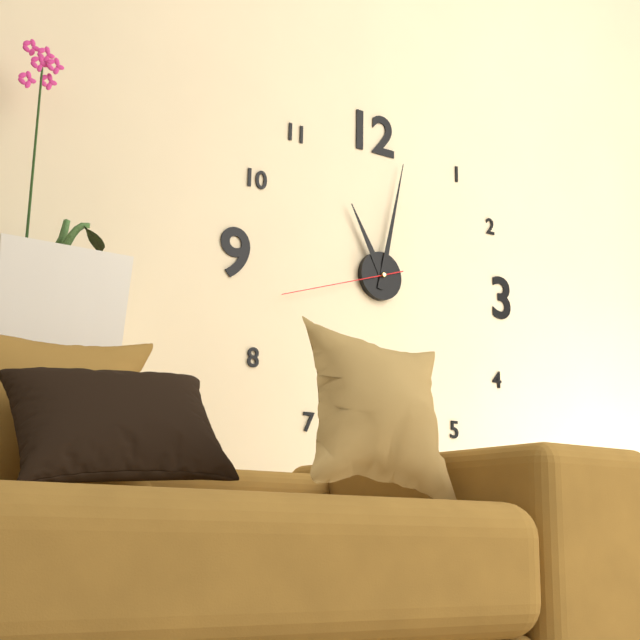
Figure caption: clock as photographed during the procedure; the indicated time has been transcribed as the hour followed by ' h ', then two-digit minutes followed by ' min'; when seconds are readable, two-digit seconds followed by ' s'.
11 h 02 min 42 s
